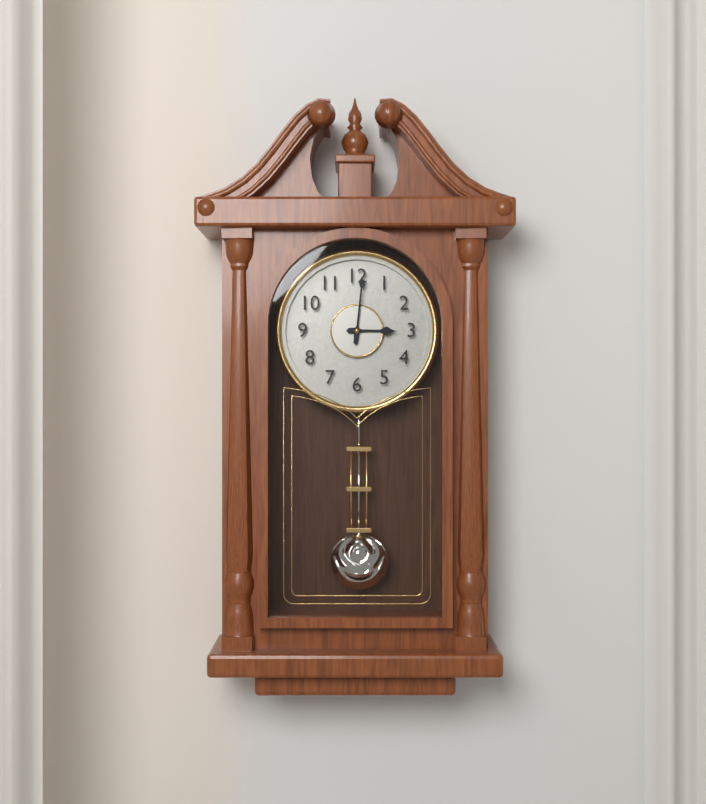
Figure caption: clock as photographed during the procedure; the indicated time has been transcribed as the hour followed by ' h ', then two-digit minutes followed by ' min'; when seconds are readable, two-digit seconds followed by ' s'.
3 h 01 min
